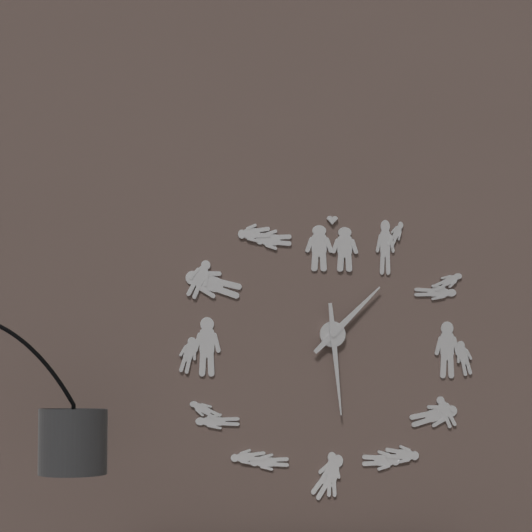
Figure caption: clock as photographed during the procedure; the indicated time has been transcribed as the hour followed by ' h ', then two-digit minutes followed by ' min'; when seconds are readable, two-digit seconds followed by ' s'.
1 h 29 min
